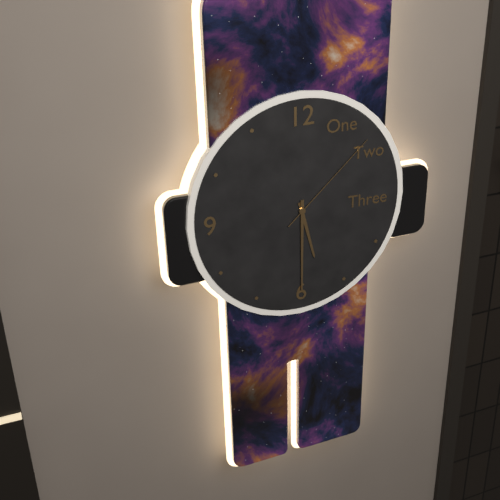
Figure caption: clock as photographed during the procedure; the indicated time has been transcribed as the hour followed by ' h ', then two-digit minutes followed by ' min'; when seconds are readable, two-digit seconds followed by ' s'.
5 h 30 min 08 s
